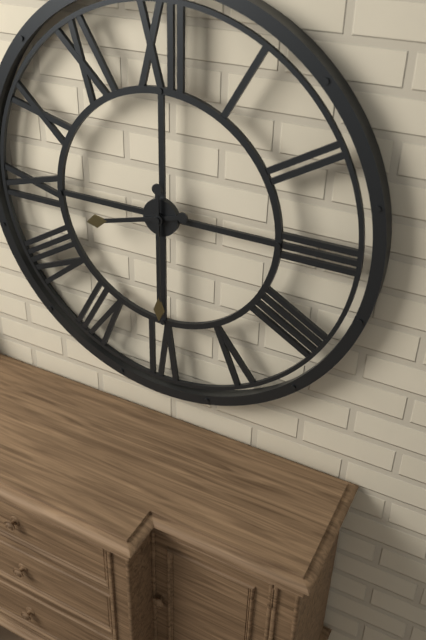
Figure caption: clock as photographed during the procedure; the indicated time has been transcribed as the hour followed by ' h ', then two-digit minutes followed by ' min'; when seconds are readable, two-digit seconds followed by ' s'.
8 h 30 min
